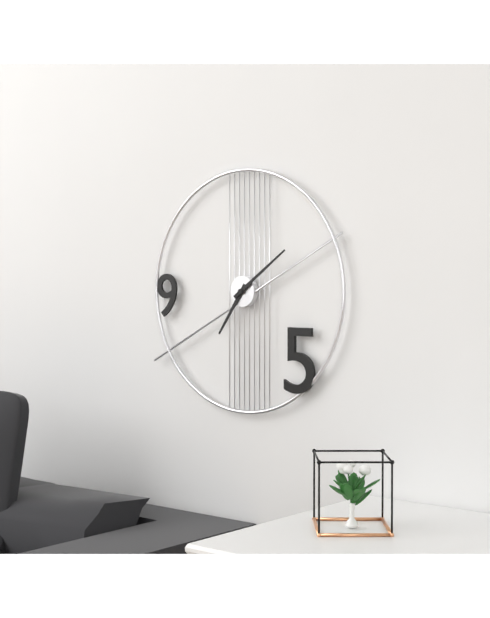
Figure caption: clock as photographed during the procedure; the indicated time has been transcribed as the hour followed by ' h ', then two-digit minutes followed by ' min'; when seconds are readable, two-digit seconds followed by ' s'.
7 h 09 min
